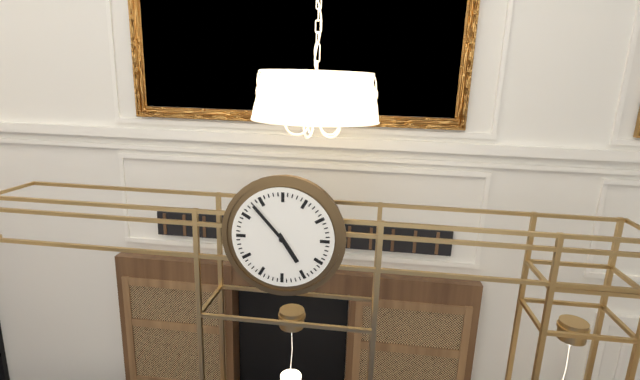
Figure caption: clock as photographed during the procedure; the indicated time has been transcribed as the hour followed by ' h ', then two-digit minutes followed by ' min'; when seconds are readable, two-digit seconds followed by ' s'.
4 h 53 min
